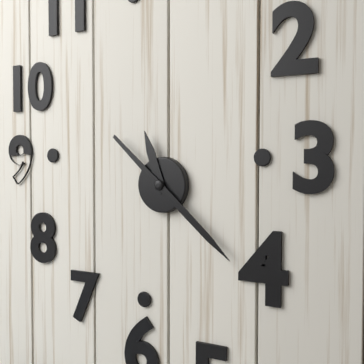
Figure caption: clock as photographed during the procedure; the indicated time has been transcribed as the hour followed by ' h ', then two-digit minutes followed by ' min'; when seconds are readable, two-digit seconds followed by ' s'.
11 h 22 min
